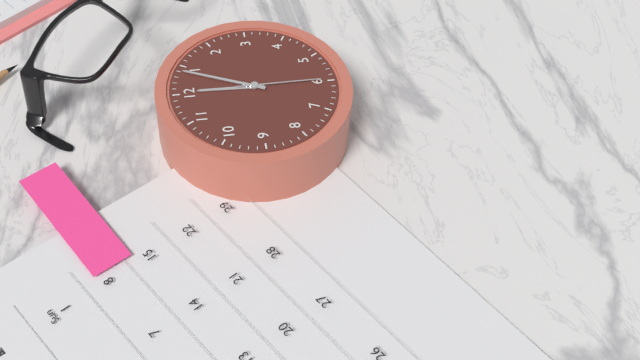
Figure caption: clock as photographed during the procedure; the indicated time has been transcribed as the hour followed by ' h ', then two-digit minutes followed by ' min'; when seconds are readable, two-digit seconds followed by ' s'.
12 h 04 min 30 s
